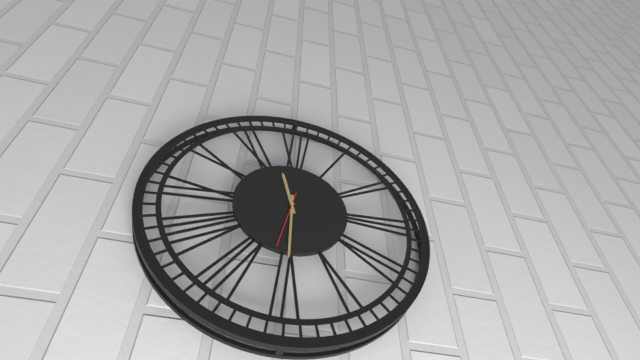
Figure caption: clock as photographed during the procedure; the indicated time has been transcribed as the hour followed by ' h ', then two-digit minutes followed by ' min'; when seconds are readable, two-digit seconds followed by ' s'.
11 h 30 min
